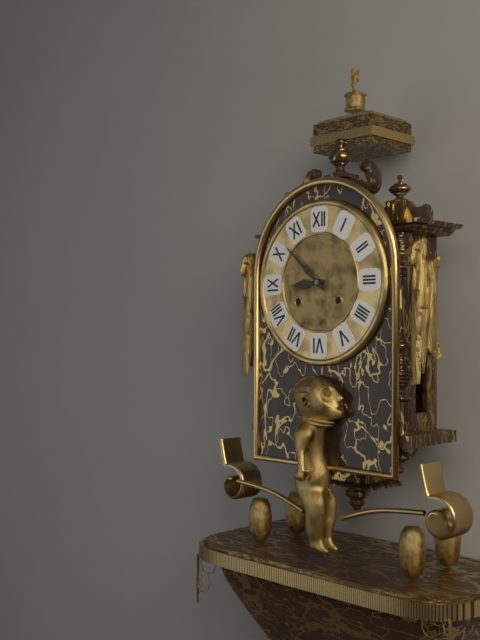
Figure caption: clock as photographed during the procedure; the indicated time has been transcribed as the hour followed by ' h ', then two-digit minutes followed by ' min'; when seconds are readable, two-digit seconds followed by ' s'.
8 h 52 min
